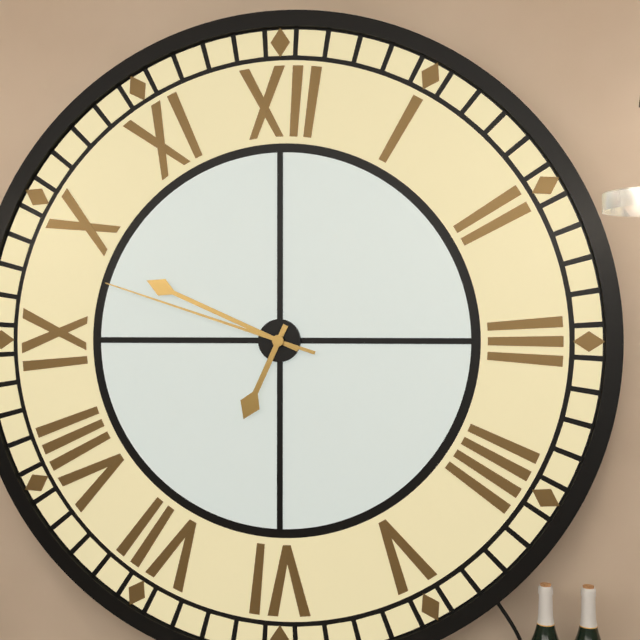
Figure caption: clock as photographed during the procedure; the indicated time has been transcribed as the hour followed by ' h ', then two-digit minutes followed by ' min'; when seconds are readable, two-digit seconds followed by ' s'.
6 h 49 min 48 s
